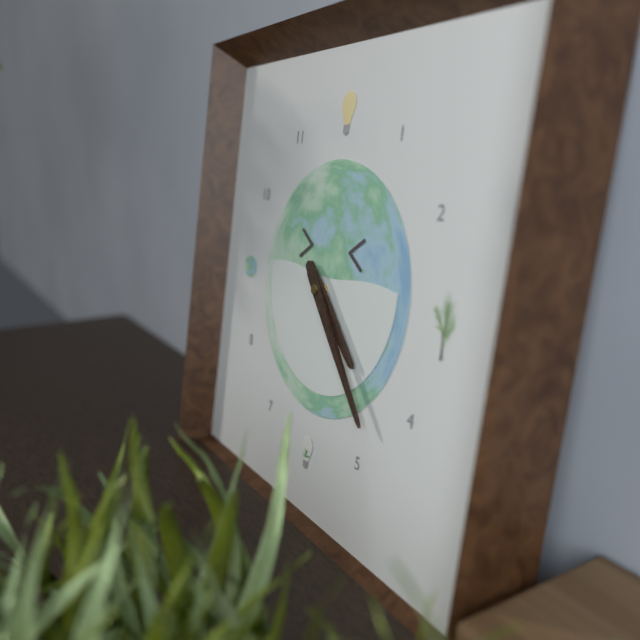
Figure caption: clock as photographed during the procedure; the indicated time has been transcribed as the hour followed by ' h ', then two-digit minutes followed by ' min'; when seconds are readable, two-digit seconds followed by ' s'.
4 h 23 min
